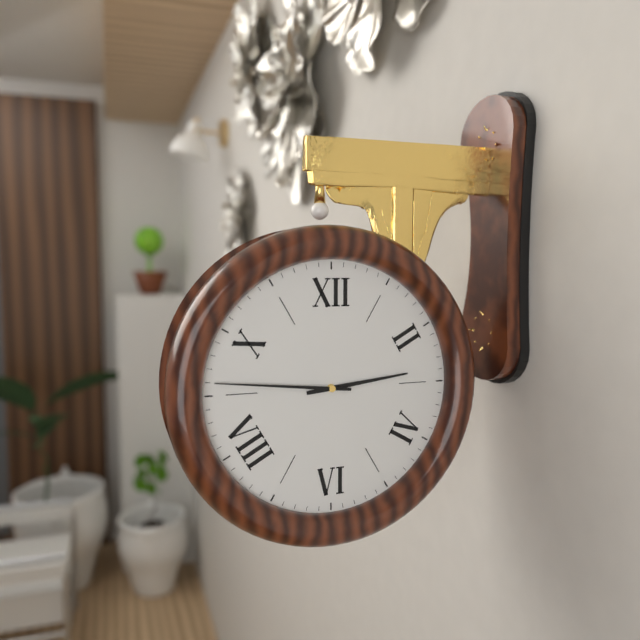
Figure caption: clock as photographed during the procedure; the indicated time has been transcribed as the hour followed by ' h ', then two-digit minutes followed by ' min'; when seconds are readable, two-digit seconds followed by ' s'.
2 h 46 min
